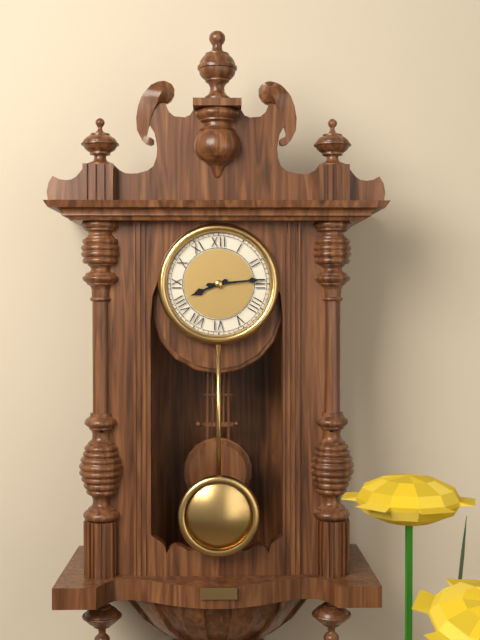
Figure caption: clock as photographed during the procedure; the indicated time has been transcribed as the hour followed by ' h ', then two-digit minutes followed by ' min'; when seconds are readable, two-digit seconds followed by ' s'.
8 h 14 min
